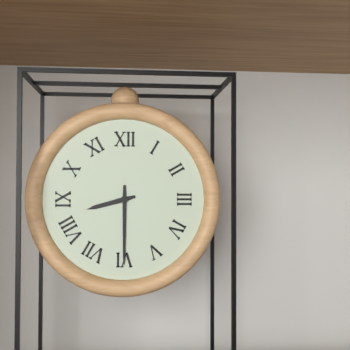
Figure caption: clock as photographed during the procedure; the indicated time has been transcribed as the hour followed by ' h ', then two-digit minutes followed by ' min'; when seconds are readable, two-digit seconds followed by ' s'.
8 h 30 min
